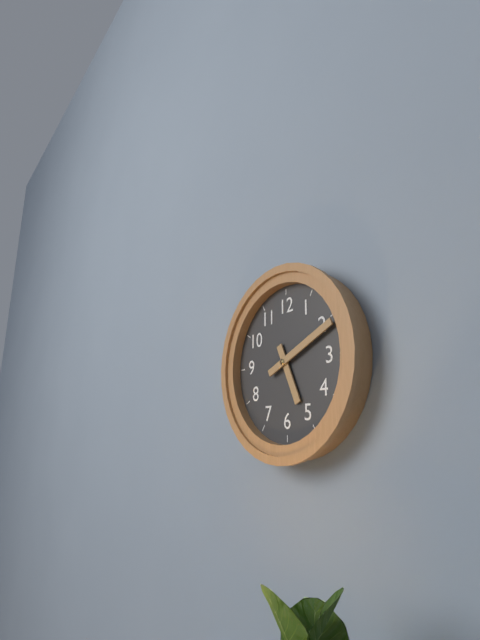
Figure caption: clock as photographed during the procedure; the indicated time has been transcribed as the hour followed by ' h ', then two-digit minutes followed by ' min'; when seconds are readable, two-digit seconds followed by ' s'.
5 h 11 min
